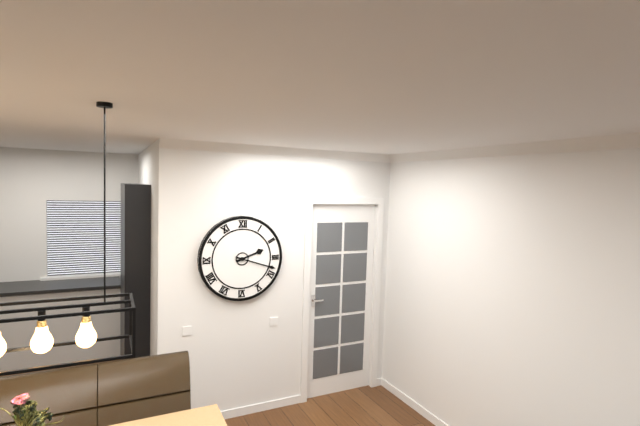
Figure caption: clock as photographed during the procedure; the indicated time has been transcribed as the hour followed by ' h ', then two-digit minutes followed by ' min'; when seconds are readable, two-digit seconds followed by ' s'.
2 h 18 min
